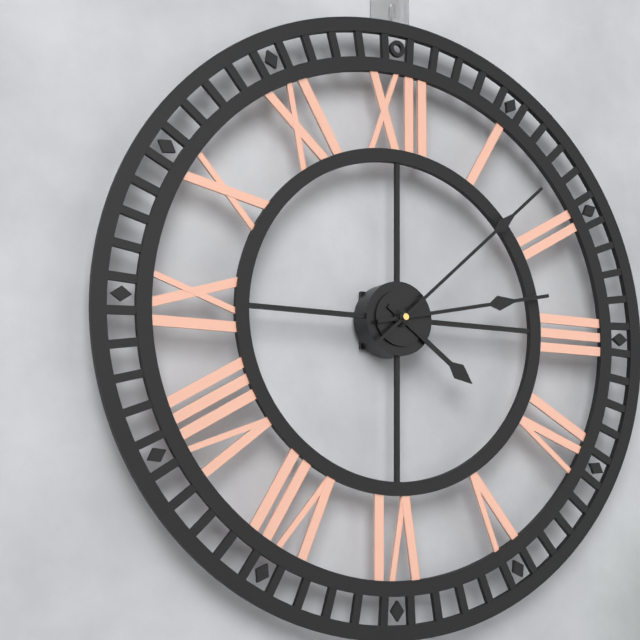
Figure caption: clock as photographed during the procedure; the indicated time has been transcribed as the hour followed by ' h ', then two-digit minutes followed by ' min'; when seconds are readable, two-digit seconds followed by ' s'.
4 h 13 min 08 s
